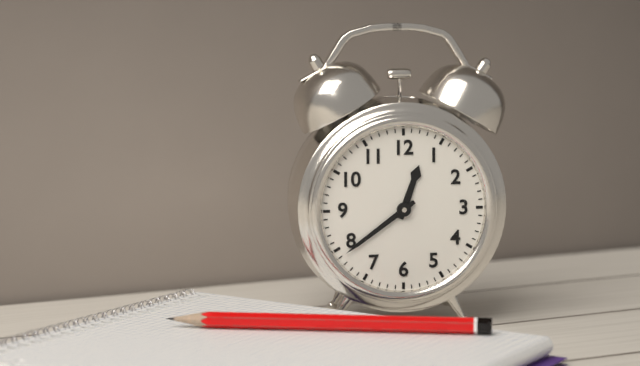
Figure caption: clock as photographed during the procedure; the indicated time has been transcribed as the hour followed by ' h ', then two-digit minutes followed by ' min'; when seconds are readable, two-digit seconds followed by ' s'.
12 h 39 min
